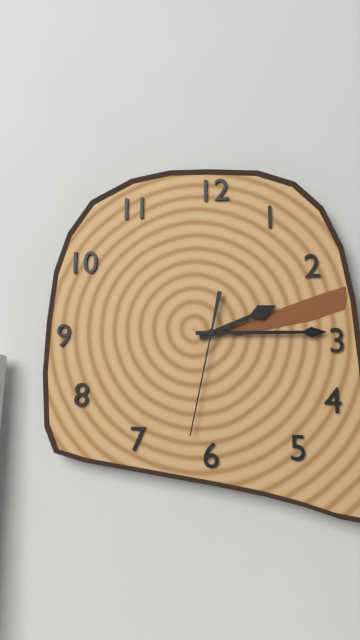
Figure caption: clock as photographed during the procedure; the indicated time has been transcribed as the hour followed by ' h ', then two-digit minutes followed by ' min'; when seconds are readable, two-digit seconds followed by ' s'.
2 h 15 min 32 s
